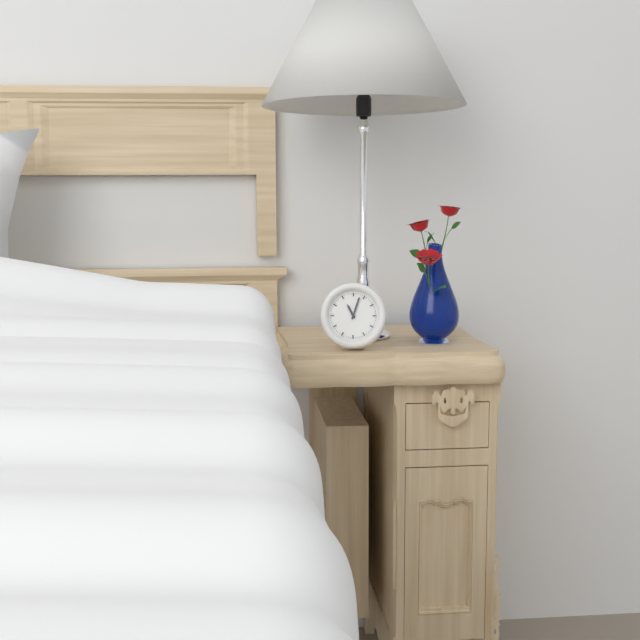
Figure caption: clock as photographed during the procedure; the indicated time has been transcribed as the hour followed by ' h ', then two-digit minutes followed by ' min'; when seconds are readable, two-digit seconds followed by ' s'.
11 h 03 min
